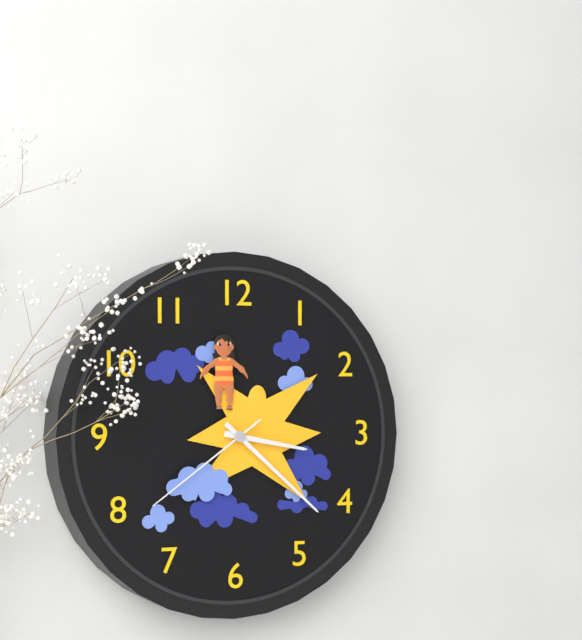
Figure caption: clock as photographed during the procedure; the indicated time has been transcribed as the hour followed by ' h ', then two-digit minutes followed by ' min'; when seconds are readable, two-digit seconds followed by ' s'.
3 h 22 min 39 s
